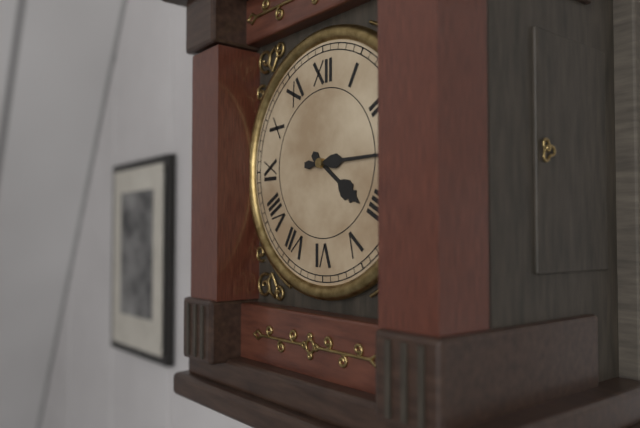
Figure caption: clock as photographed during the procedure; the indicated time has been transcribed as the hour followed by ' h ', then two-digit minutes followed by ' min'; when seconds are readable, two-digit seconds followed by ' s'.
4 h 15 min
